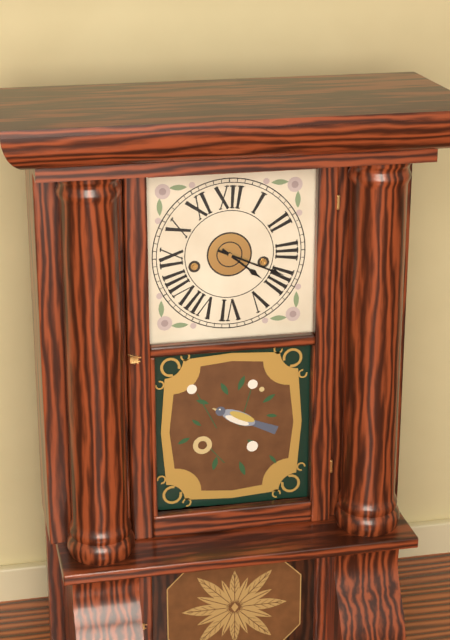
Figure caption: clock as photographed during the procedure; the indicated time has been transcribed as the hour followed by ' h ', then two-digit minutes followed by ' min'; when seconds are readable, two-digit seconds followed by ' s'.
4 h 19 min
